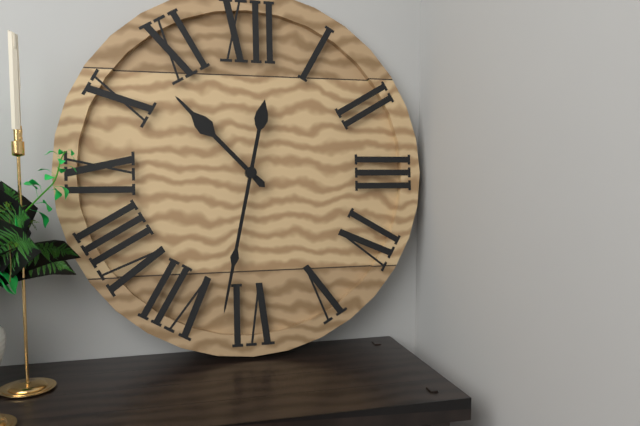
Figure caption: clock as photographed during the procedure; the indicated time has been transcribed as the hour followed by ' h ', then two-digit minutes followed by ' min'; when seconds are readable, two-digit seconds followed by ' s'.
10 h 32 min
